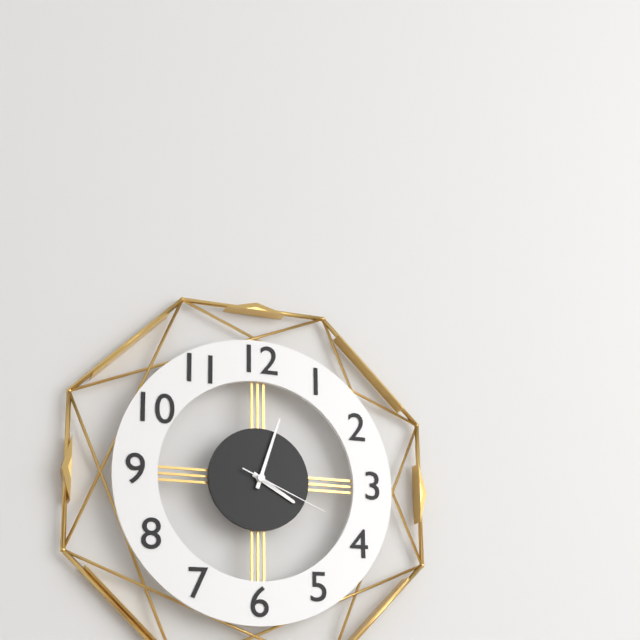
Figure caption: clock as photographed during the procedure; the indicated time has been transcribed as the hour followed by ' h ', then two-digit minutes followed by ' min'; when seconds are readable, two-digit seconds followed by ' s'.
4 h 03 min 19 s
